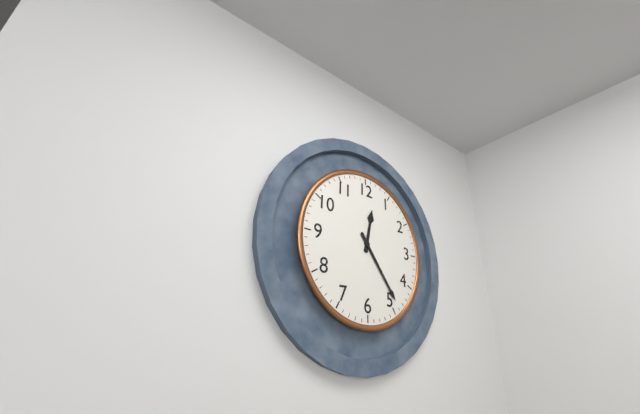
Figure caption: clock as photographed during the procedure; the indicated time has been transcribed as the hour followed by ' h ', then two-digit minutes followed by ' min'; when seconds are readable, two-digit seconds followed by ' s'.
12 h 24 min
